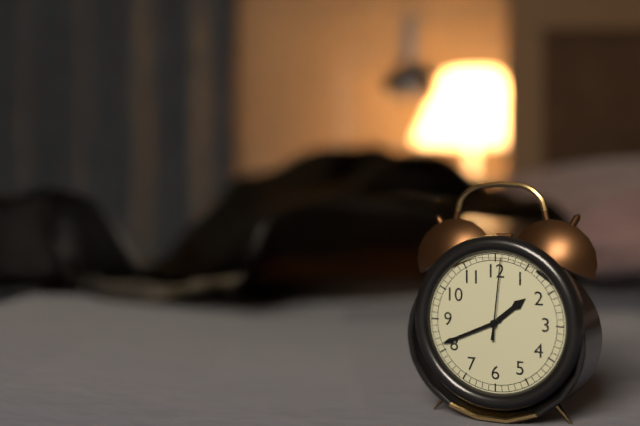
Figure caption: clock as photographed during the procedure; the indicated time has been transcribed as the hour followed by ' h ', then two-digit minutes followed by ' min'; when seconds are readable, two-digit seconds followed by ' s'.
1 h 41 min 01 s
